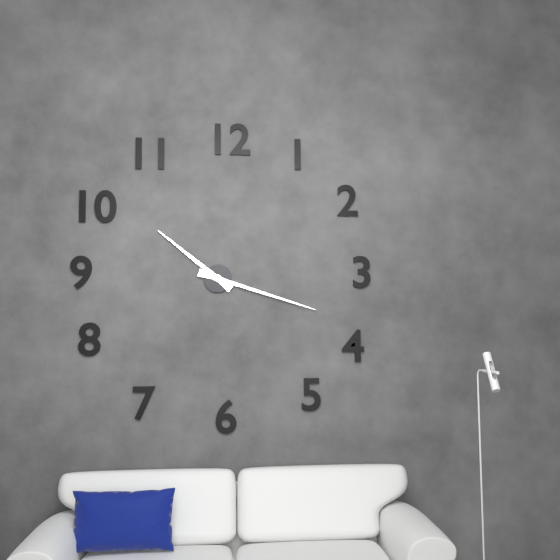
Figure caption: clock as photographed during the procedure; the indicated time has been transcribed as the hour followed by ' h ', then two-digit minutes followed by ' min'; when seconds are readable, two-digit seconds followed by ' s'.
10 h 18 min
